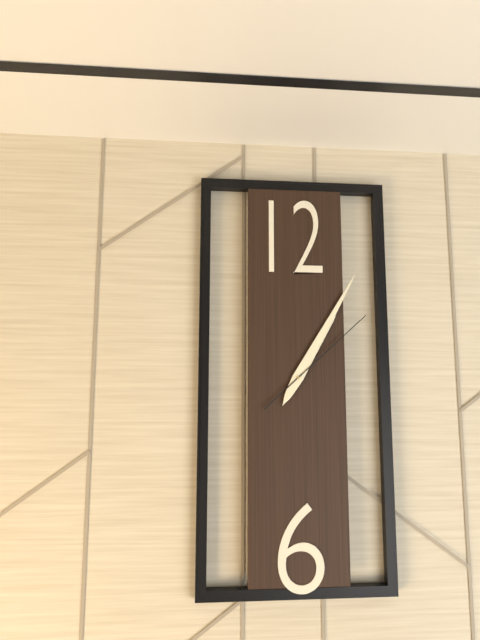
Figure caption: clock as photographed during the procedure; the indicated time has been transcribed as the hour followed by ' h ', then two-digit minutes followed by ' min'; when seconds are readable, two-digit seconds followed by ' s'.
1 h 05 min 08 s
